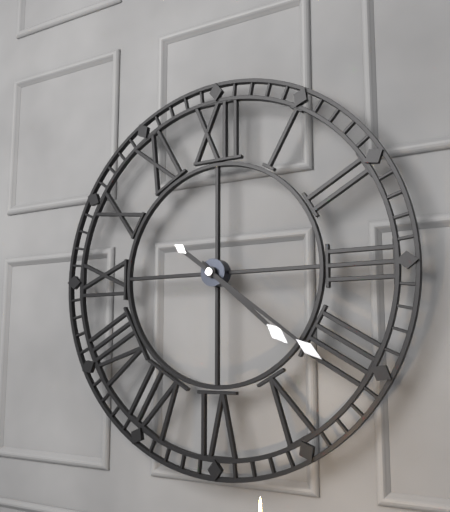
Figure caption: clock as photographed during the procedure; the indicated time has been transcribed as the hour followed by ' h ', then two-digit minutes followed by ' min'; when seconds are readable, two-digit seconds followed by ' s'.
4 h 21 min
